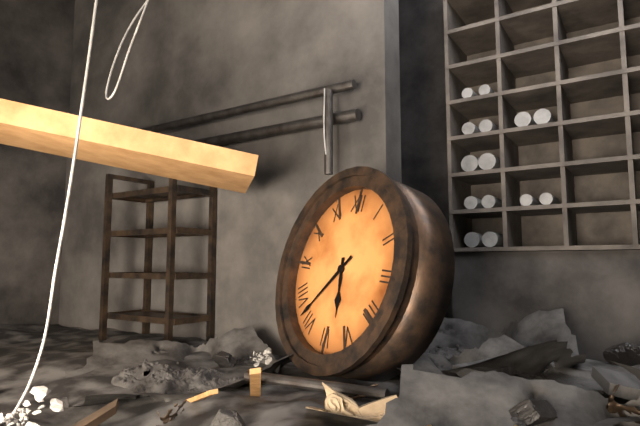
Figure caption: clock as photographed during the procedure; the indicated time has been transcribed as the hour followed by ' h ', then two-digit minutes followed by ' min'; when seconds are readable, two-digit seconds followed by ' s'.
5 h 37 min
